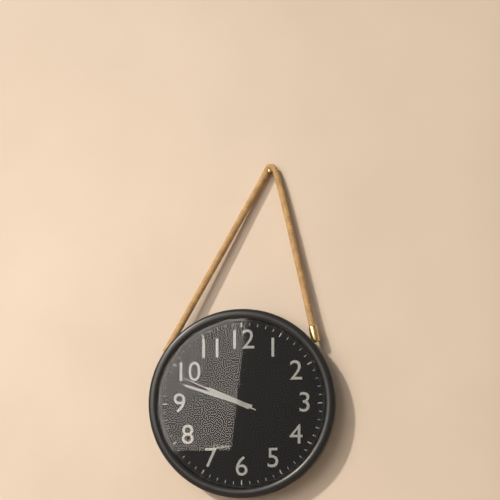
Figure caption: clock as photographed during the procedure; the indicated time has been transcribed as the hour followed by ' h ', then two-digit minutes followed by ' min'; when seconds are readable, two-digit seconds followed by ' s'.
9 h 48 min 49 s
